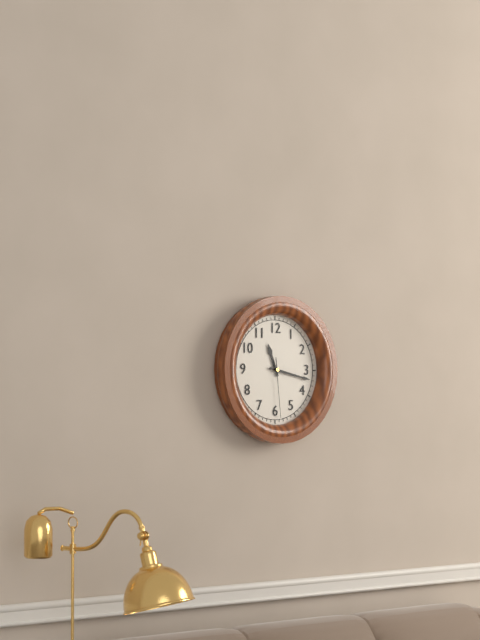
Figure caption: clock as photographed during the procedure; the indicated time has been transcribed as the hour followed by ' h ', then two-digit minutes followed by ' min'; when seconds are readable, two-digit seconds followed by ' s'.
11 h 17 min 29 s
